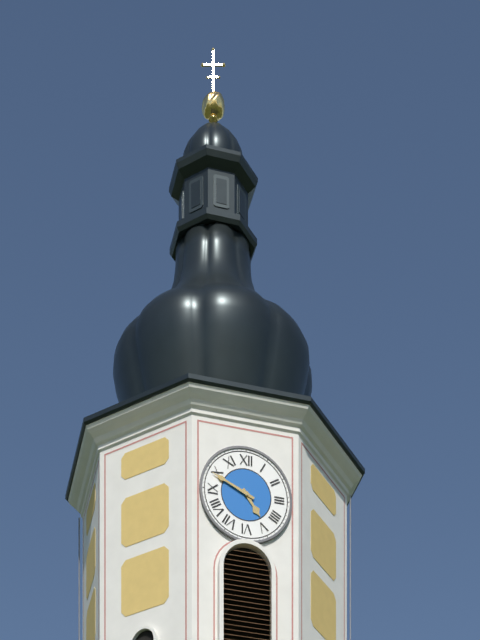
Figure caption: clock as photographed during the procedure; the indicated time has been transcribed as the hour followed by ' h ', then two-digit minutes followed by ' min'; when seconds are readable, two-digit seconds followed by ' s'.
4 h 49 min
